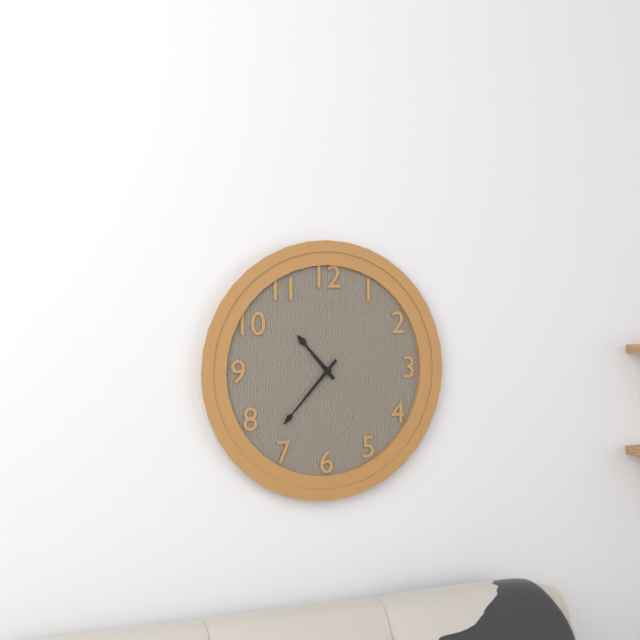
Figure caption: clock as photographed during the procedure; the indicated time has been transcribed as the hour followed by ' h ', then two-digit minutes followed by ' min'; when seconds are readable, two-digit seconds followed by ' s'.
10 h 37 min
